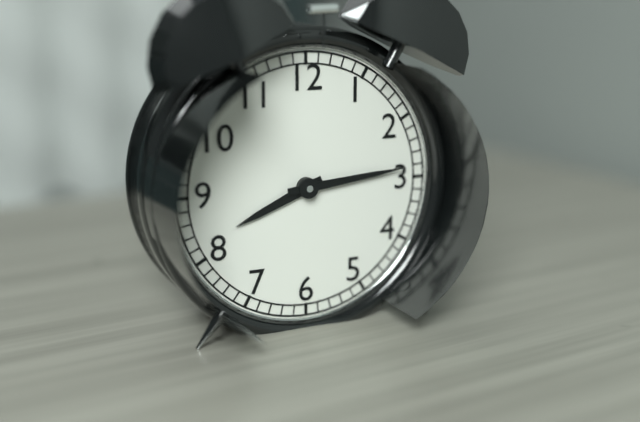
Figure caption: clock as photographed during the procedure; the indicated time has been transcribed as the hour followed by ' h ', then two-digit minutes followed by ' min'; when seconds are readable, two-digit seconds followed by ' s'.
8 h 14 min
